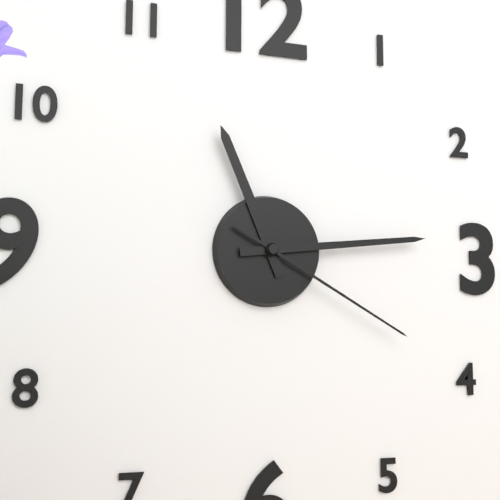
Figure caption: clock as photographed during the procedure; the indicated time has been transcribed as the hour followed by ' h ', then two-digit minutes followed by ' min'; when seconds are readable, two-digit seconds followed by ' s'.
11 h 14 min 20 s
